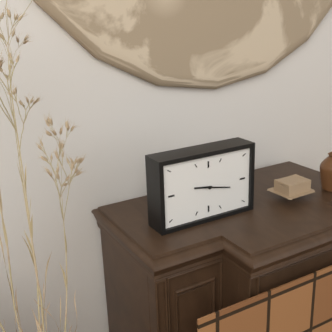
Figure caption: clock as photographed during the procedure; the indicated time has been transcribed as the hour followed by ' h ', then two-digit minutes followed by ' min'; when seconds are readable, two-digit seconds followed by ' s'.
9 h 17 min
